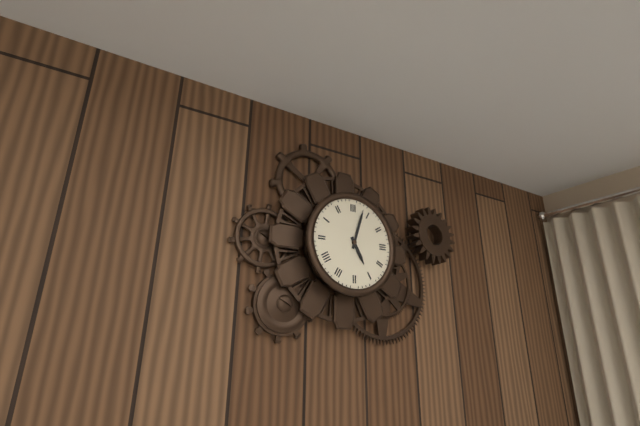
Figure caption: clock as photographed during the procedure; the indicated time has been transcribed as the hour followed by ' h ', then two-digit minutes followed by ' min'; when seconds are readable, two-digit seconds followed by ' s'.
5 h 03 min
